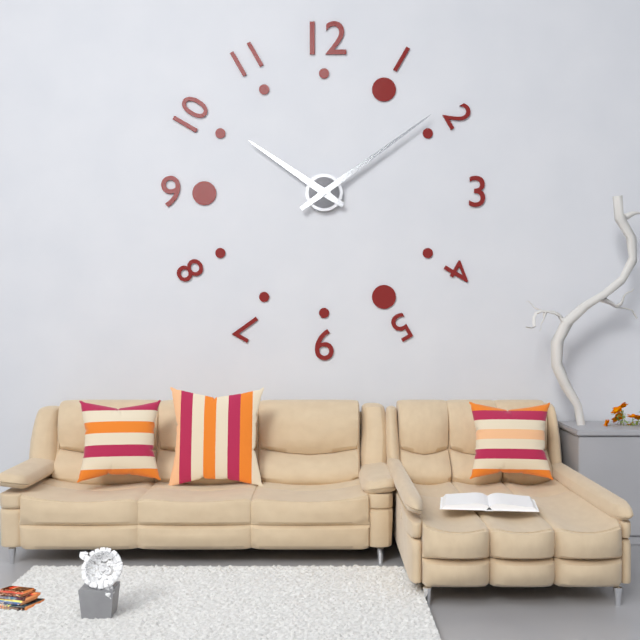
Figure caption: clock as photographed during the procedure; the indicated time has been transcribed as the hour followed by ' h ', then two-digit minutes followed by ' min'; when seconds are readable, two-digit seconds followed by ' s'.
10 h 09 min
